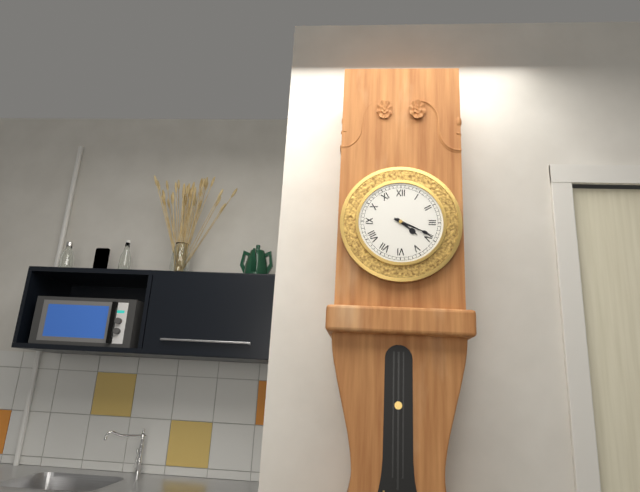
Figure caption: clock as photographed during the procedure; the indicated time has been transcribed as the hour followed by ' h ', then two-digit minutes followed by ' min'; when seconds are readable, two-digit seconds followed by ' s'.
4 h 19 min
